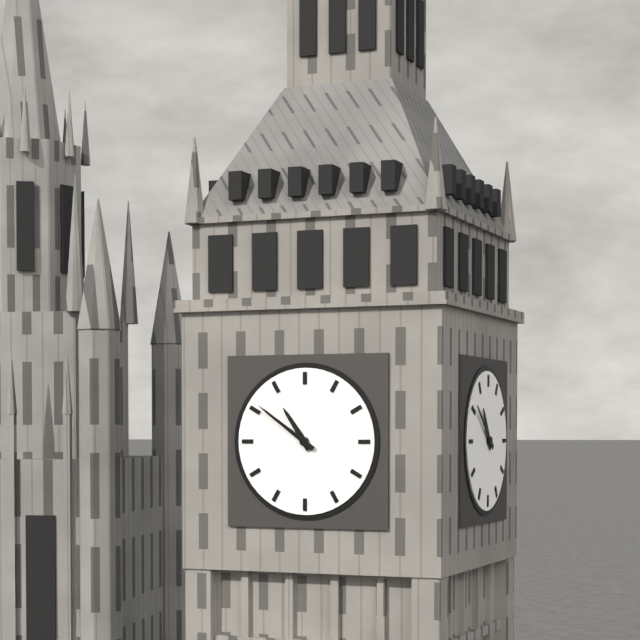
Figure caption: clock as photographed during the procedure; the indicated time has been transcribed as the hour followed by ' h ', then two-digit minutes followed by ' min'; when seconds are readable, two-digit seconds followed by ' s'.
10 h 51 min
